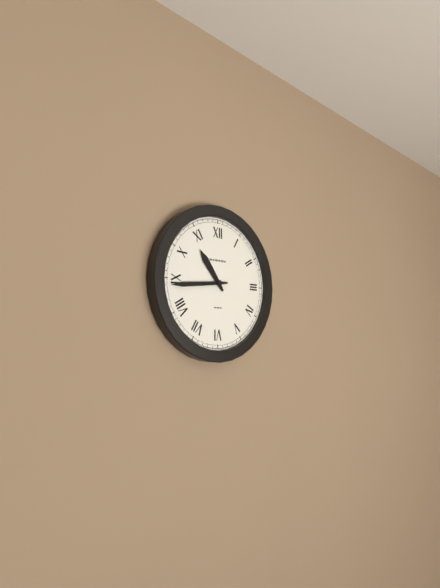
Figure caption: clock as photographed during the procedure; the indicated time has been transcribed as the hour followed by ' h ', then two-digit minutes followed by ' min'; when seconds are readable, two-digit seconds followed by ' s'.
10 h 44 min
